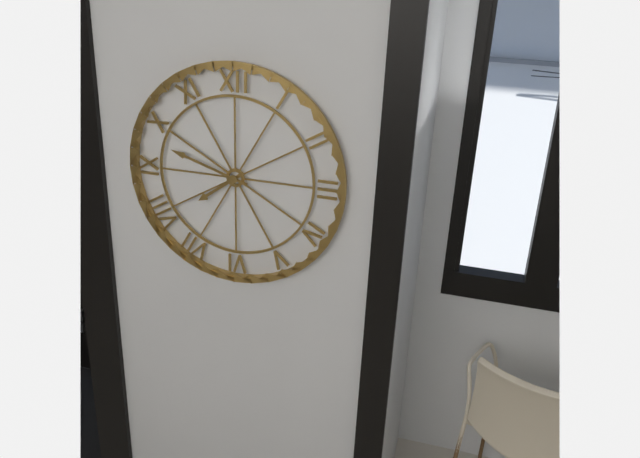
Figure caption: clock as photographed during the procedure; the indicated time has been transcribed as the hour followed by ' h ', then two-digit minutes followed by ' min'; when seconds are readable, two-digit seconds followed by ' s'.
7 h 48 min
